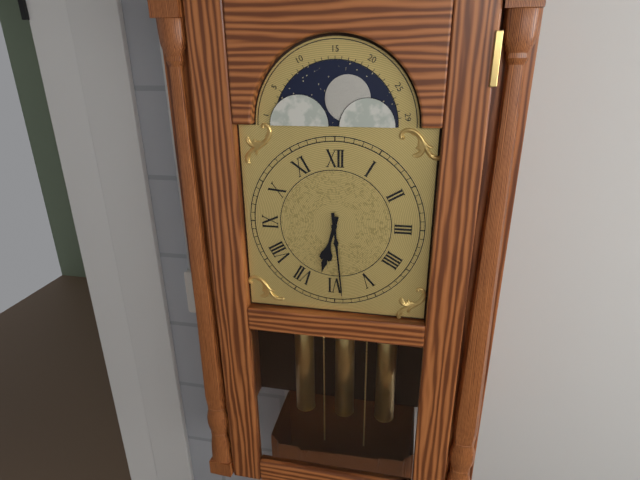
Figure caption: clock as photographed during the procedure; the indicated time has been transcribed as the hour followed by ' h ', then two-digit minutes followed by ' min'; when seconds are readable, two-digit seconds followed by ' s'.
6 h 29 min
